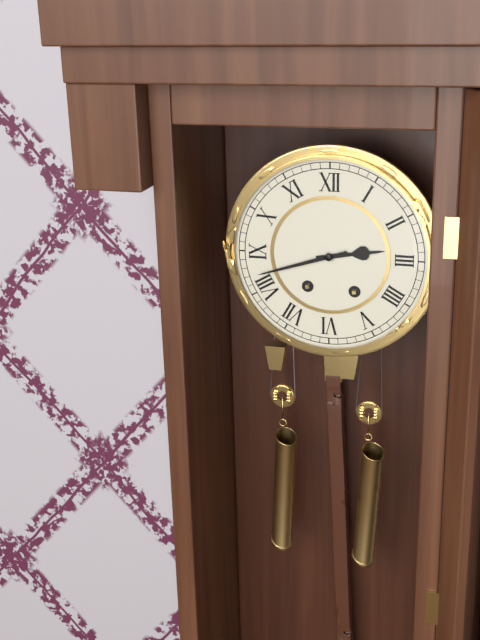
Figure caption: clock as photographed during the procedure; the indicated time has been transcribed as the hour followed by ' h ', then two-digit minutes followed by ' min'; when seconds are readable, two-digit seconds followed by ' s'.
2 h 42 min
